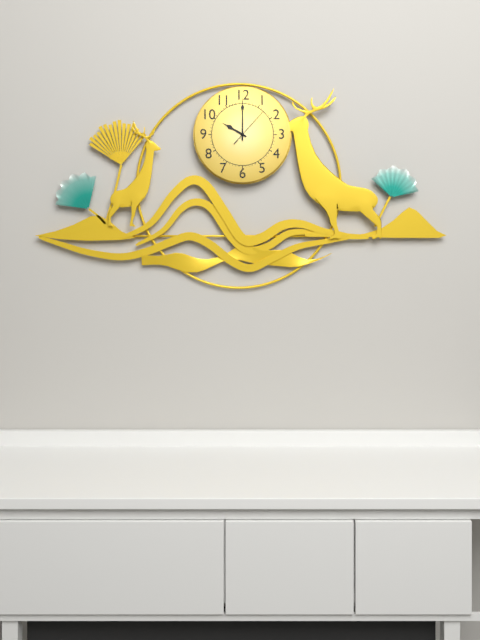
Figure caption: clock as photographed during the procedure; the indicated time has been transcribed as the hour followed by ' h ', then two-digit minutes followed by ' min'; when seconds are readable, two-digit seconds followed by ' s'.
10 h 00 min
